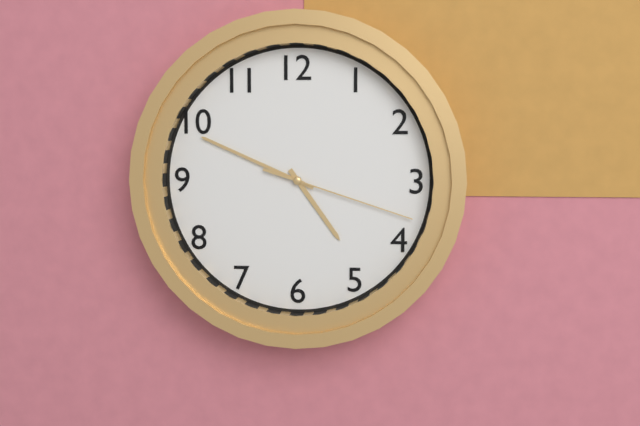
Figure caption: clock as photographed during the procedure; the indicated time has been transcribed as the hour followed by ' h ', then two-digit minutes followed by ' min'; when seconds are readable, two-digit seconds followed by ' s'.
4 h 49 min 18 s
